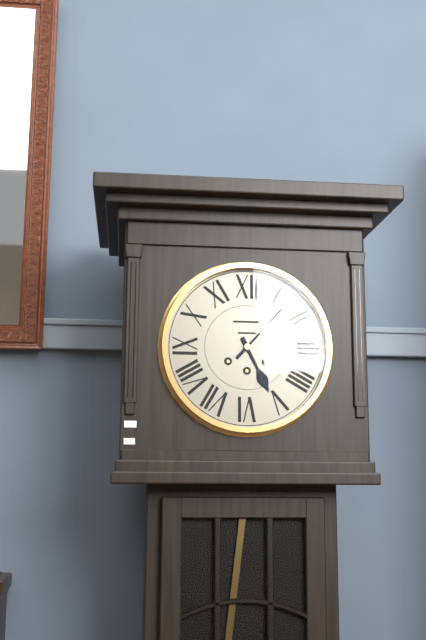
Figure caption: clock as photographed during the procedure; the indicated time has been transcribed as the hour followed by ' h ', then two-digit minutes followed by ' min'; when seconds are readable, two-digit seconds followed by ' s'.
5 h 07 min
